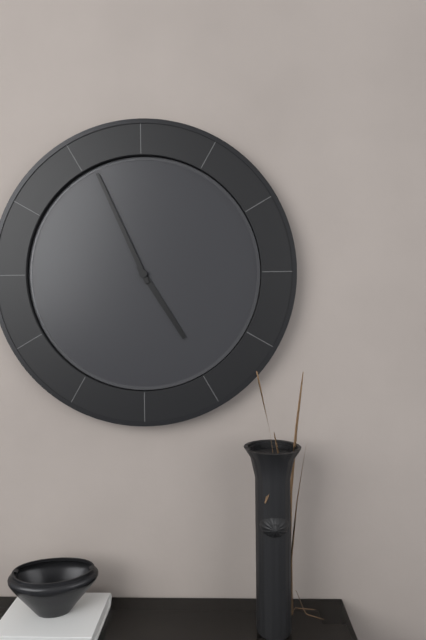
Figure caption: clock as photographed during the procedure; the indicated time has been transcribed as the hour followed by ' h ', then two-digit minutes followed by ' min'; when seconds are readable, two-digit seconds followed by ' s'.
4 h 56 min
